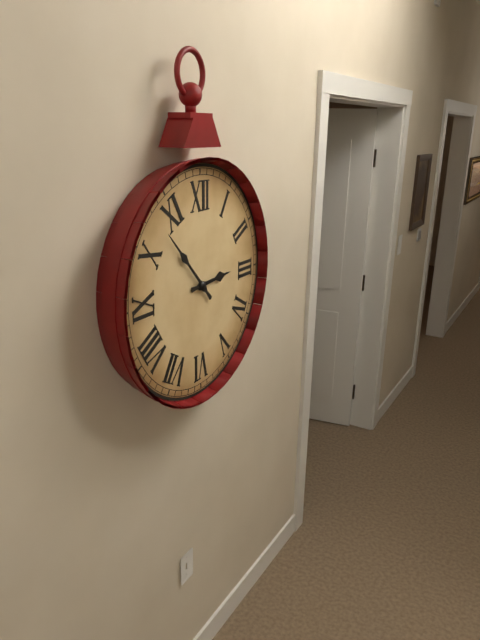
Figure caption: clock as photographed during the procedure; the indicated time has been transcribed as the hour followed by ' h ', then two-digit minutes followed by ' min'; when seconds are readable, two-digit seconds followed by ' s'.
2 h 53 min
